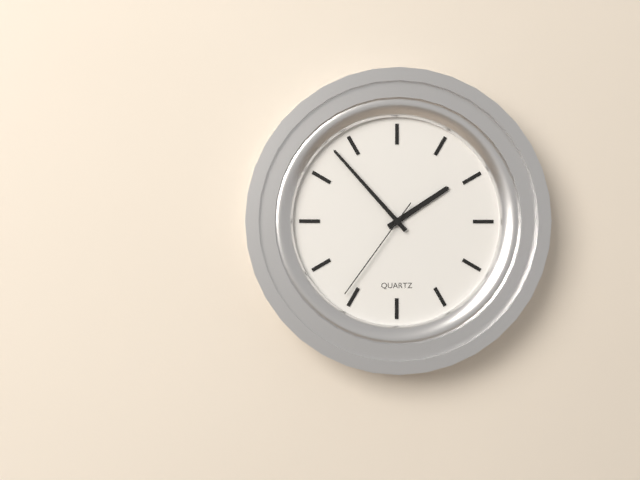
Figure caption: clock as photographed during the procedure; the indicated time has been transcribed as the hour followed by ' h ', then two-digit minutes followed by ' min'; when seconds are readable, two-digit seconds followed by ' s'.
1 h 53 min 36 s
